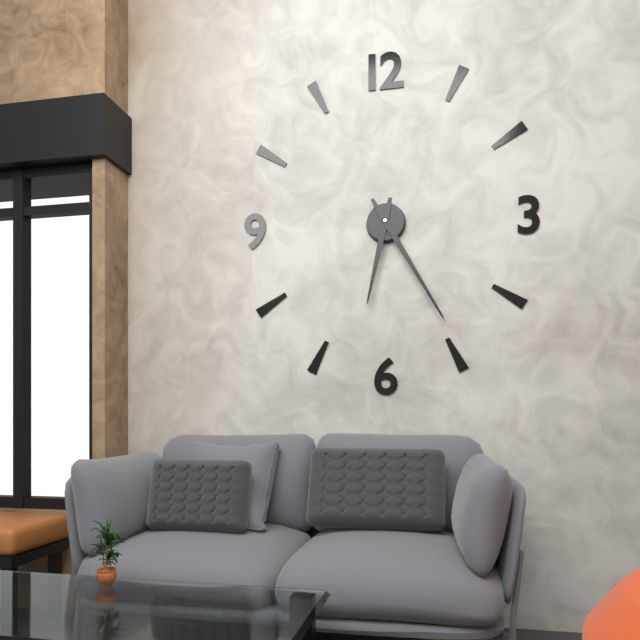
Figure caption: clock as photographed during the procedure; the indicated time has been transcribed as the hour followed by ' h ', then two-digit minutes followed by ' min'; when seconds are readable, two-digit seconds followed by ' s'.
6 h 25 min
